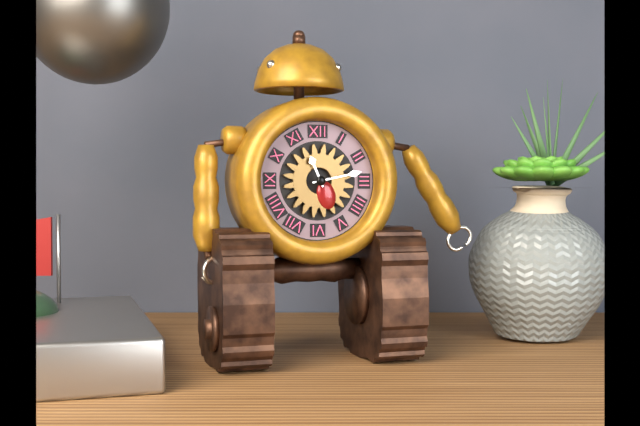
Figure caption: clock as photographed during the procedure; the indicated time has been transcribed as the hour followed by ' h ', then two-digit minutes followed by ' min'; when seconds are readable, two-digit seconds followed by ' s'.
11 h 13 min
